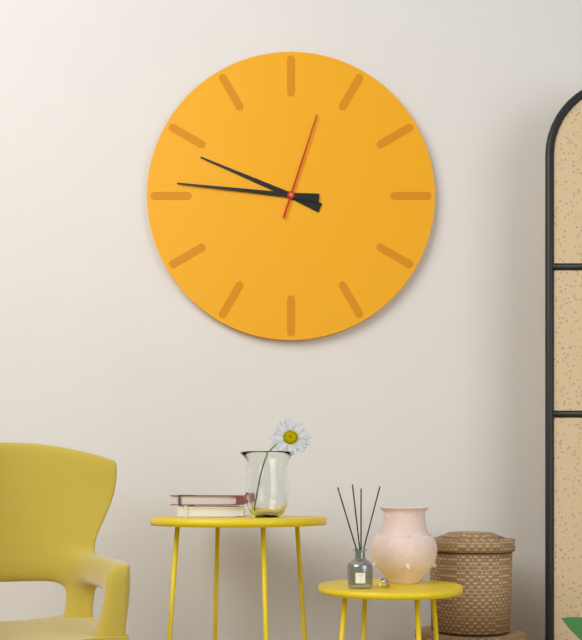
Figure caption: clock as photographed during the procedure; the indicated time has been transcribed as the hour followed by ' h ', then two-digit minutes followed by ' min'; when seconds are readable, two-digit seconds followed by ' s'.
9 h 46 min 03 s
